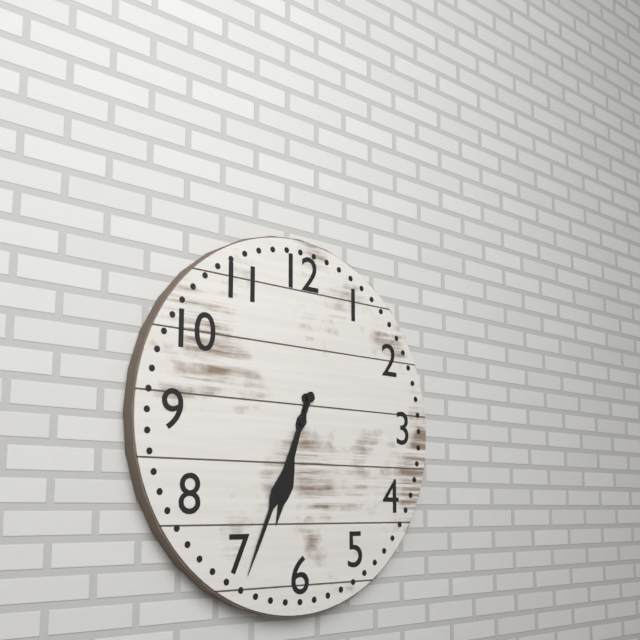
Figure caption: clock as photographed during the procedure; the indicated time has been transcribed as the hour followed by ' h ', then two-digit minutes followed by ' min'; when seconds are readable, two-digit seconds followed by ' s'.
6 h 34 min
